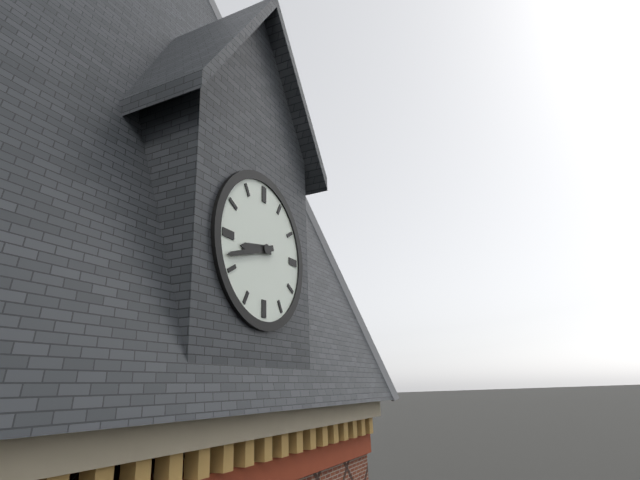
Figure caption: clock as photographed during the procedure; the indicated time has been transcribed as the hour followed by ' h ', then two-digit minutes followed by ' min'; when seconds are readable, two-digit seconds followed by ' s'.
8 h 42 min
